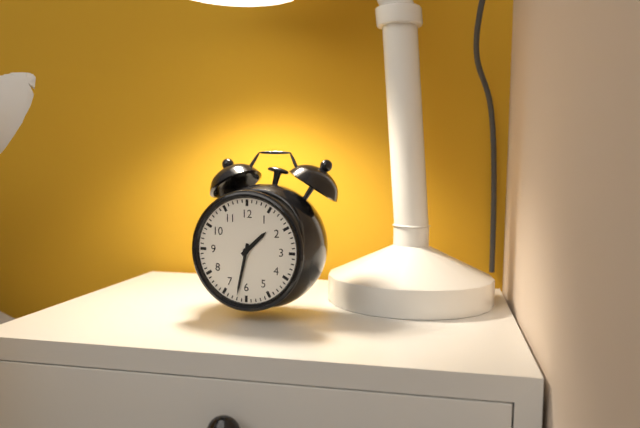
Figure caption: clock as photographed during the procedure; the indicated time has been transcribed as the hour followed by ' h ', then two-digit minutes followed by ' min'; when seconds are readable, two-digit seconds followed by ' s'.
1 h 32 min
